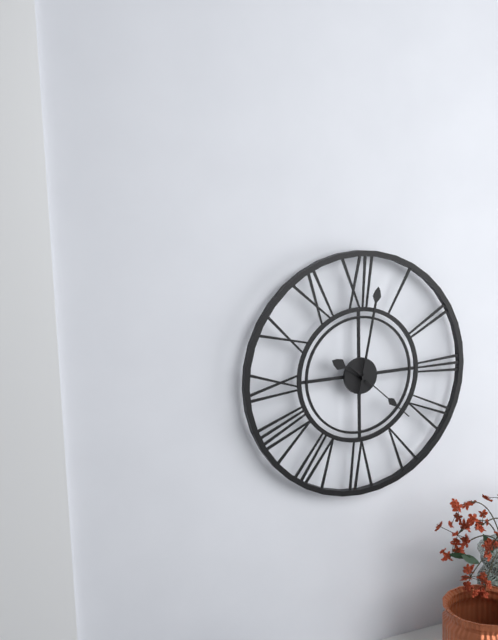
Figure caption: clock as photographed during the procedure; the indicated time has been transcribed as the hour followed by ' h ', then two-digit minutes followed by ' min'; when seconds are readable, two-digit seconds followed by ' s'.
10 h 02 min 22 s
